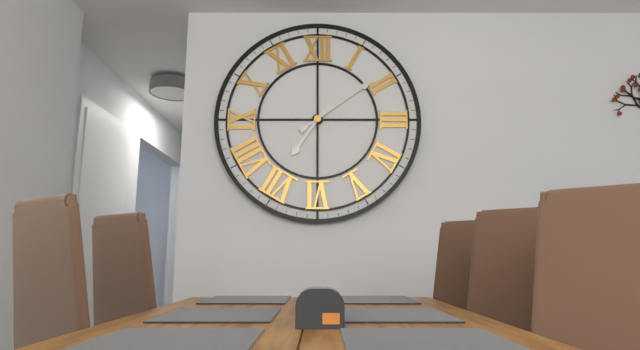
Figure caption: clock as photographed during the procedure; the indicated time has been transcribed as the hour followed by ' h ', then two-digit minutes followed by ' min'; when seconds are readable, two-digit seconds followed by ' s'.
7 h 09 min
